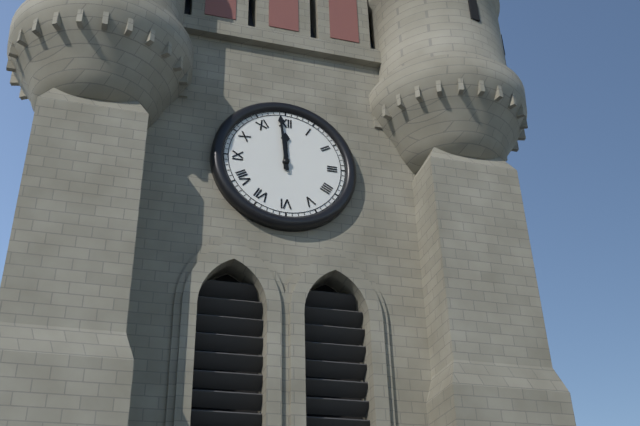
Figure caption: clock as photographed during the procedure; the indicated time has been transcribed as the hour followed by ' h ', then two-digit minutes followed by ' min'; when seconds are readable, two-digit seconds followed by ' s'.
11 h 59 min
